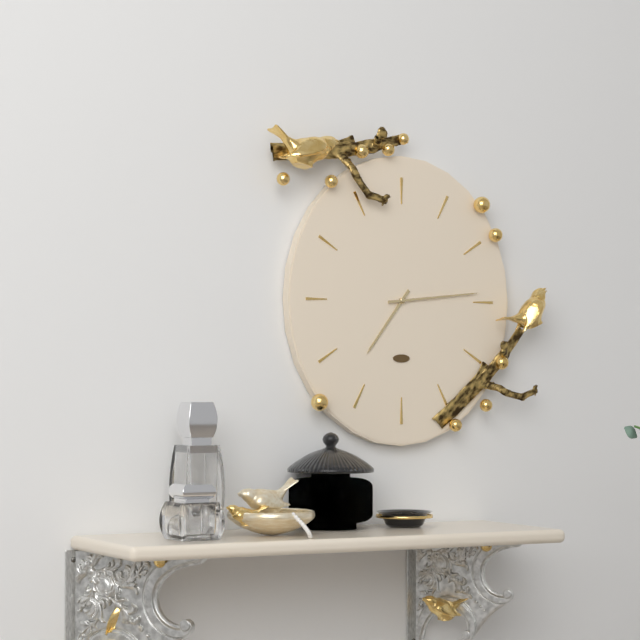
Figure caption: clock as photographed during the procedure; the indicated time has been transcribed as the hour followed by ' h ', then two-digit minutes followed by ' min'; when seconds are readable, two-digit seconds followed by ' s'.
7 h 14 min
